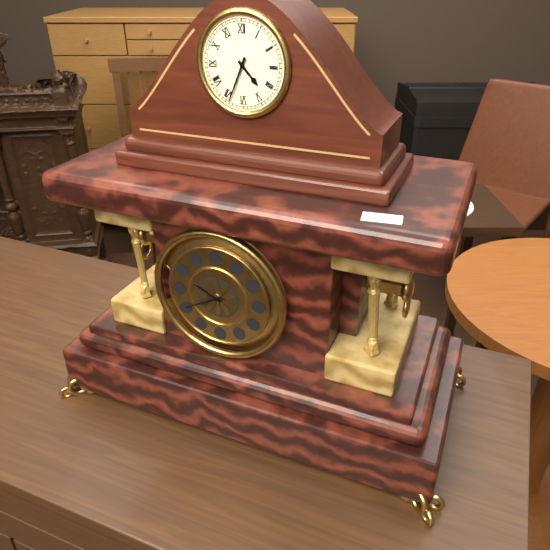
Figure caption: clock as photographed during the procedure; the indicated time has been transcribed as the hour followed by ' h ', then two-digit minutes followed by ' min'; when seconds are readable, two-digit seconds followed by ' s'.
4 h 34 min
